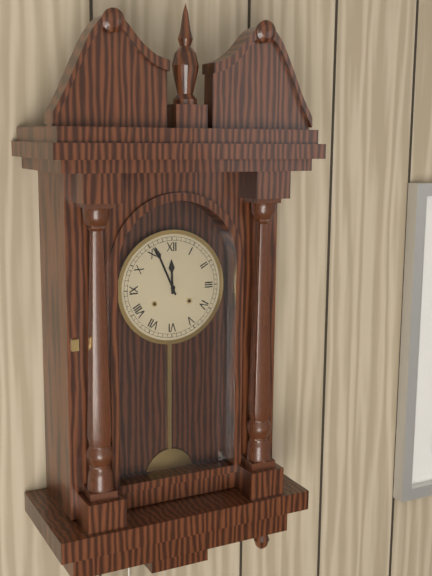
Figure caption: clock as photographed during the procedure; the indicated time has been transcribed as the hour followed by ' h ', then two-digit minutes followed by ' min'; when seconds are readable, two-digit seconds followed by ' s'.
11 h 56 min
